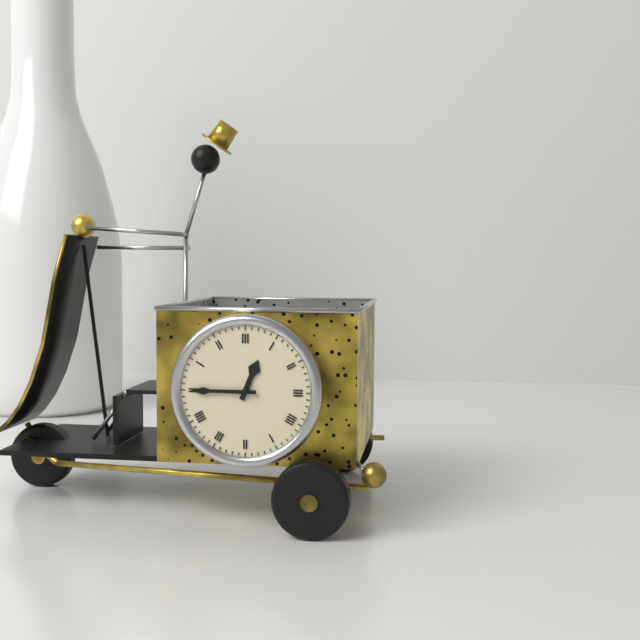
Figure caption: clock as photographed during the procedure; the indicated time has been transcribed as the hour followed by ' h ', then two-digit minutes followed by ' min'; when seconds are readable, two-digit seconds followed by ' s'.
12 h 45 min
